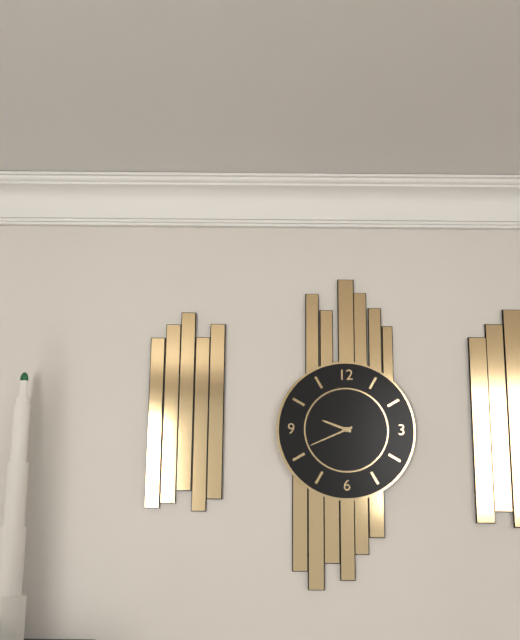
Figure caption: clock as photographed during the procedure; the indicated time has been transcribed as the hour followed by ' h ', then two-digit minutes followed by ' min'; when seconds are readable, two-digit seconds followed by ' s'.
9 h 41 min
